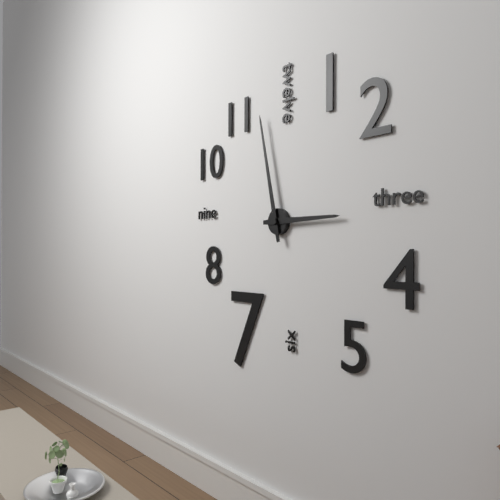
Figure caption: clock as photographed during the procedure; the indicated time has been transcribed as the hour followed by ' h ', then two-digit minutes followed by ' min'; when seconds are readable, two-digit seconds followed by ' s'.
2 h 58 min
